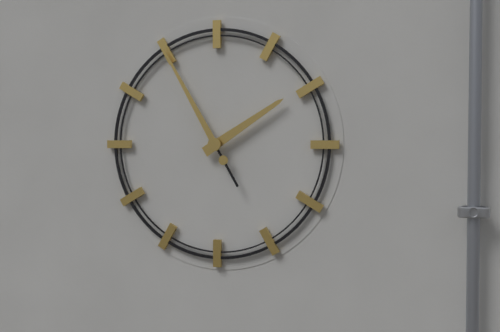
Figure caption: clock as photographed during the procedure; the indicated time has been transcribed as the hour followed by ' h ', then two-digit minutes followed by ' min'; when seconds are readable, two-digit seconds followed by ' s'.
1 h 55 min
